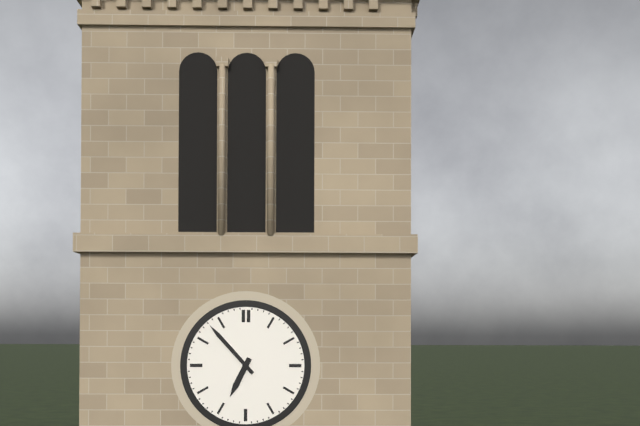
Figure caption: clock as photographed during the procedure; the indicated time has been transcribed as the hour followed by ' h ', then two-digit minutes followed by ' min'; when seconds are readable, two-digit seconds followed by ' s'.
6 h 53 min
